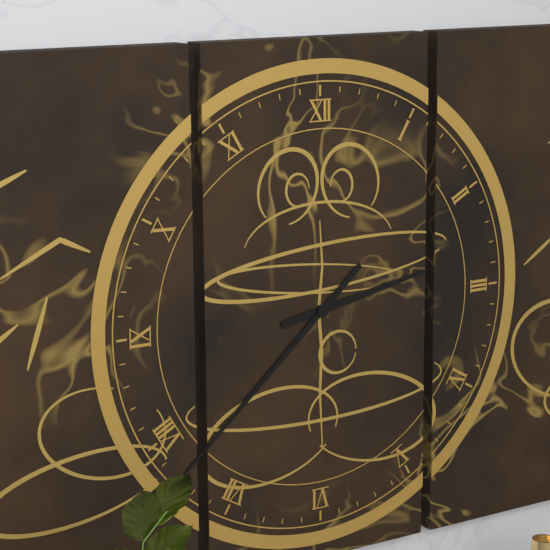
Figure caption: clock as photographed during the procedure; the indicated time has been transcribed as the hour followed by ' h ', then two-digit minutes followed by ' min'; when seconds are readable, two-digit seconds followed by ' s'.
2 h 38 min
